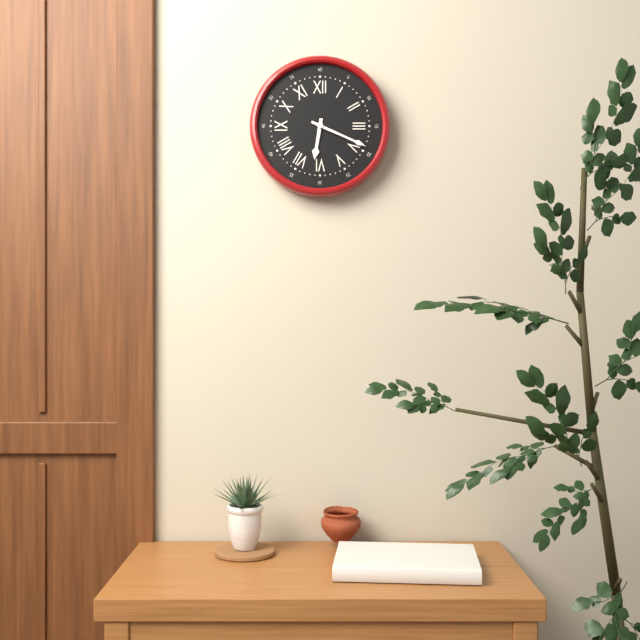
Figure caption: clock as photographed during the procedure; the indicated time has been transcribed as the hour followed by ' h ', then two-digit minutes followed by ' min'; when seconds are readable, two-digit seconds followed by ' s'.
6 h 19 min
